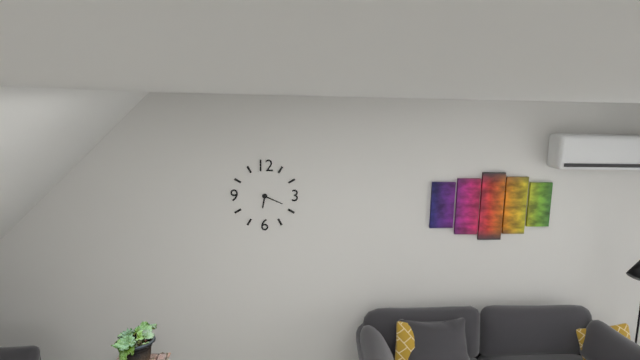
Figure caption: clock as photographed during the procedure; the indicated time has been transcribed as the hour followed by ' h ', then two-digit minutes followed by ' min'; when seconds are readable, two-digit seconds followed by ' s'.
6 h 19 min
